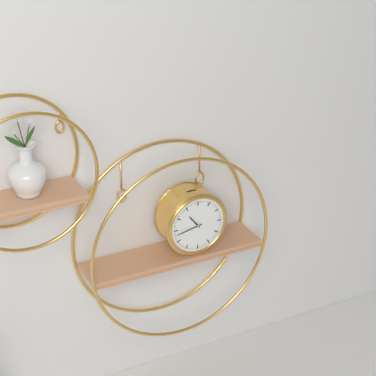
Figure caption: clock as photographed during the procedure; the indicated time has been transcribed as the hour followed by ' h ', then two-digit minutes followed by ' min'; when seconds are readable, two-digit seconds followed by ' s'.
10 h 43 min
